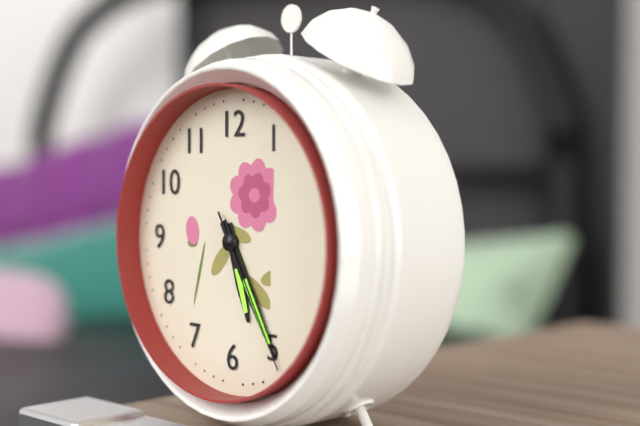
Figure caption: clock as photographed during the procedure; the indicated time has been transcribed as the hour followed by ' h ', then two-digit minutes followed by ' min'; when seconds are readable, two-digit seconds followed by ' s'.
5 h 25 min 25 s
